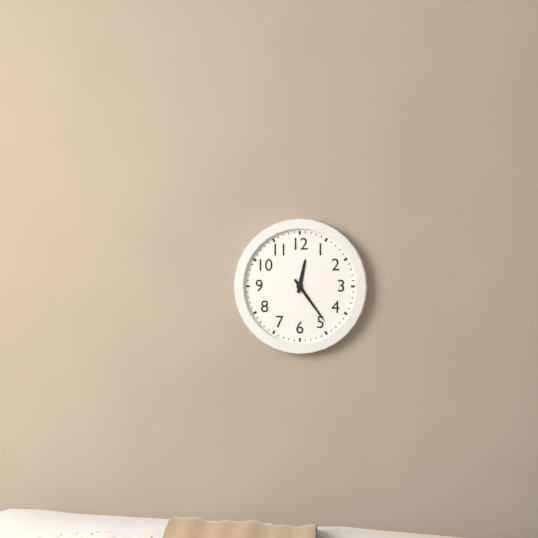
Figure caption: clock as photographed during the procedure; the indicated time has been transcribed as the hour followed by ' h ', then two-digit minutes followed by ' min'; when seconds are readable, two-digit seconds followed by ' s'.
12 h 24 min
